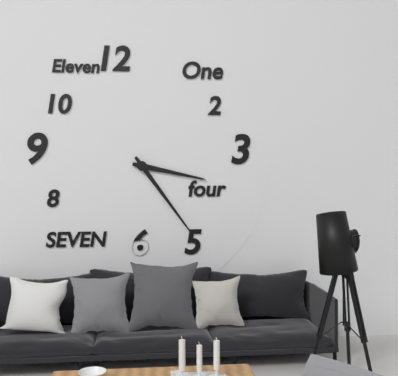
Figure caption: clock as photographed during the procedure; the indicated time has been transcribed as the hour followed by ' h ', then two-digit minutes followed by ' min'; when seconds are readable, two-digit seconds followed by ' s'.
3 h 24 min
